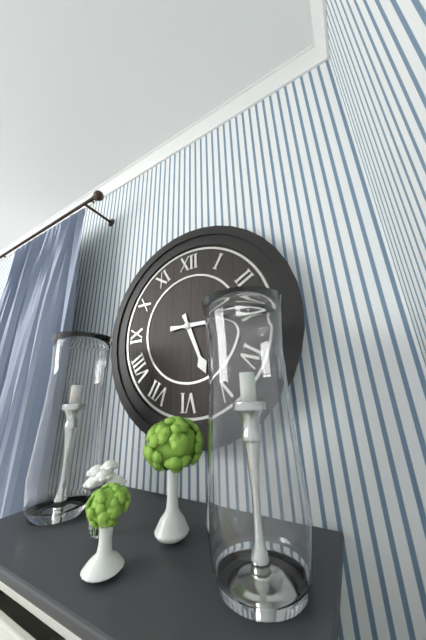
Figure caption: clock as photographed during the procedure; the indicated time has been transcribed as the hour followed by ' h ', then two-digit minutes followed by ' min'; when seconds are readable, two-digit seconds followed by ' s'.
5 h 15 min
